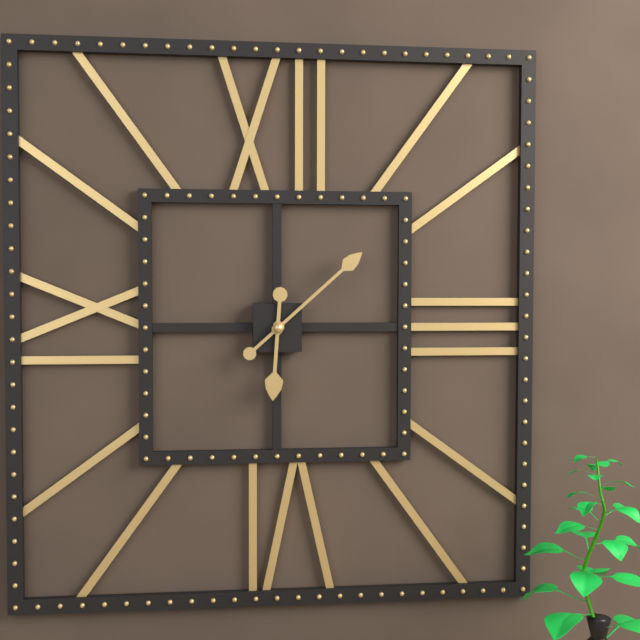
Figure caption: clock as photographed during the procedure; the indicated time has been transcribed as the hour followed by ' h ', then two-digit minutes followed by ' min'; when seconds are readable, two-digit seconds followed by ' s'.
6 h 08 min
